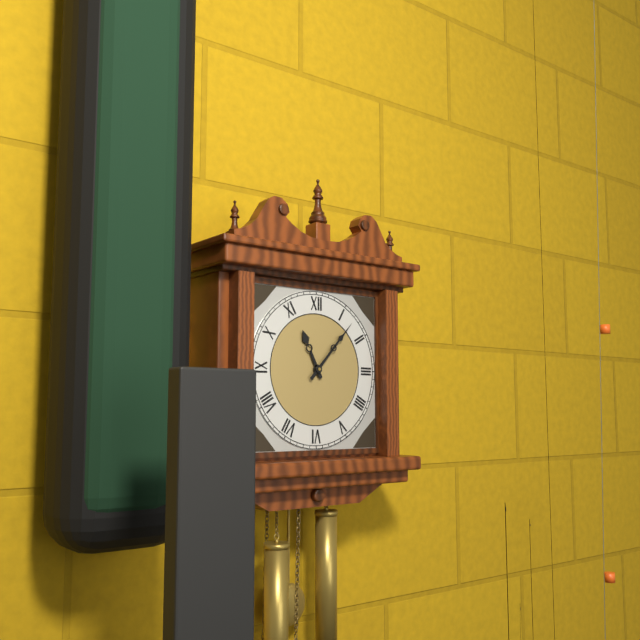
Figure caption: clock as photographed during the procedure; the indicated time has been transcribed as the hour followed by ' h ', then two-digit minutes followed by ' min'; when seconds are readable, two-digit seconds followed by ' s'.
11 h 07 min
